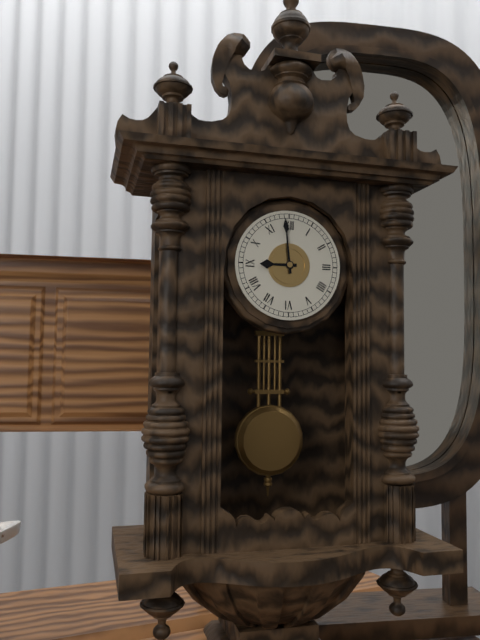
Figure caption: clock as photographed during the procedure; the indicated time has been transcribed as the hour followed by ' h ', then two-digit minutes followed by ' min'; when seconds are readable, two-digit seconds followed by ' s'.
8 h 59 min
